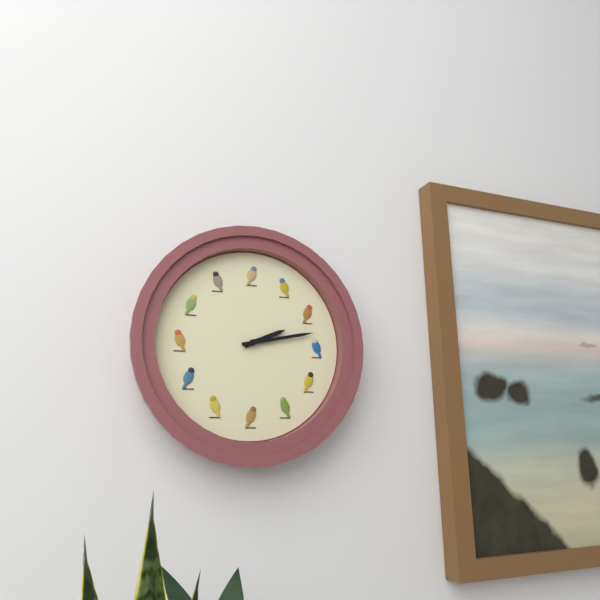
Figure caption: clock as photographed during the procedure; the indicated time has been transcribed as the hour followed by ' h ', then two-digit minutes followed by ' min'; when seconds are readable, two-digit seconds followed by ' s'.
2 h 13 min
